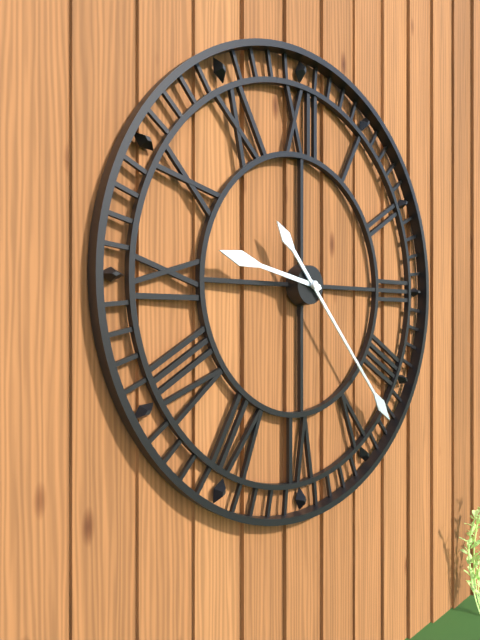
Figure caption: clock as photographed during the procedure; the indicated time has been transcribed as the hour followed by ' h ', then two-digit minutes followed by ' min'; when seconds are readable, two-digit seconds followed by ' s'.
9 h 23 min
